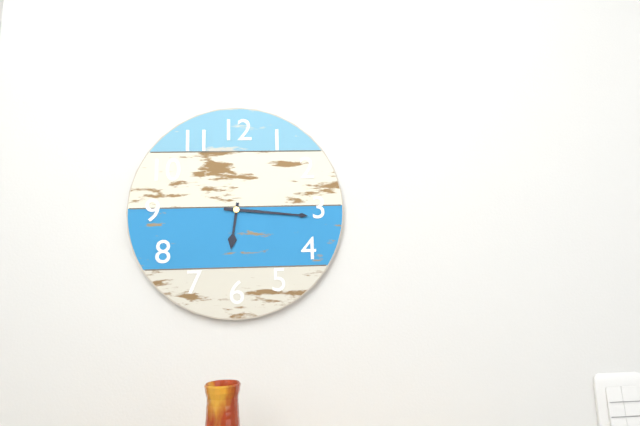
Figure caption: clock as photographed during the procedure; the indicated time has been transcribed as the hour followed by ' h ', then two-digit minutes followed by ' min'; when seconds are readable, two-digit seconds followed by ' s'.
6 h 16 min
